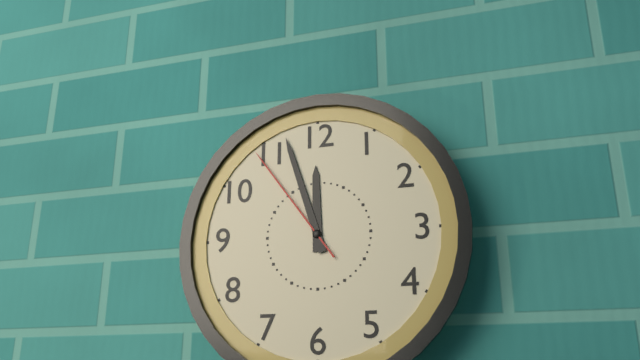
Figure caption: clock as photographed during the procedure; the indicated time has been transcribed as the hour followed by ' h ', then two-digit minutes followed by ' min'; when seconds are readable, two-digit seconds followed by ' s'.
11 h 57 min 54 s
